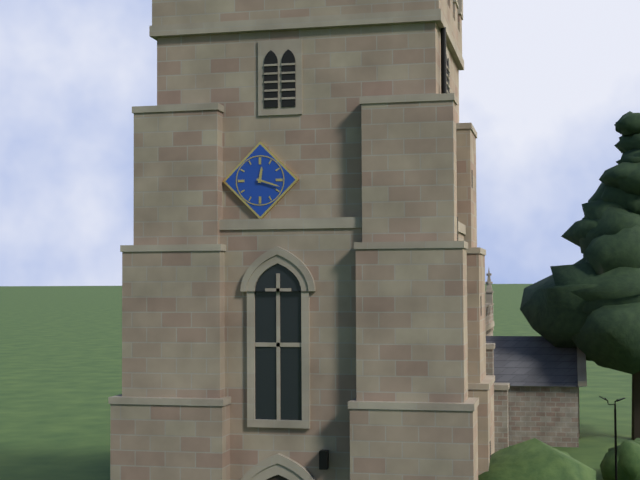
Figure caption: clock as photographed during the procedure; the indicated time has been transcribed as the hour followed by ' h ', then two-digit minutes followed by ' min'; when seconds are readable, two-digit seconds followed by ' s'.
12 h 18 min
